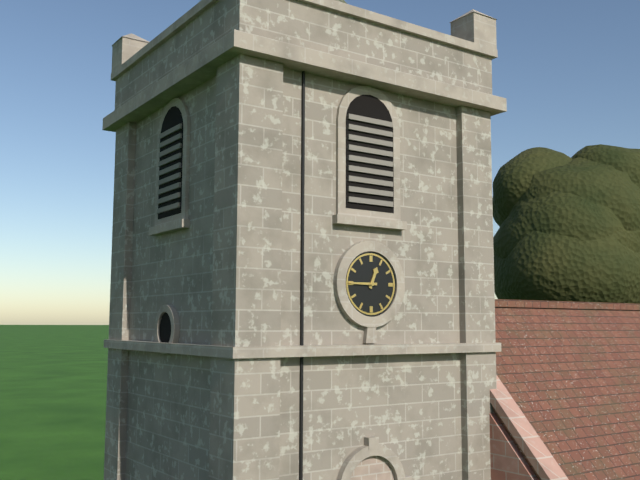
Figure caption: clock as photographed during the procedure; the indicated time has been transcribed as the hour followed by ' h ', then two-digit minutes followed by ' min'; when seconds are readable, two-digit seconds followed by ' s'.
12 h 45 min
